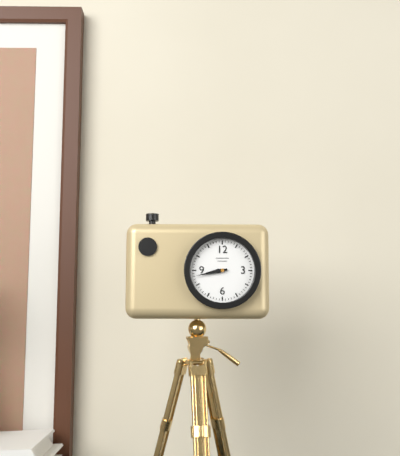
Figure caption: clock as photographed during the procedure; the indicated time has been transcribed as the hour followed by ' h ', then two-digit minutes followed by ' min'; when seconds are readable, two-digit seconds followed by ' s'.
8 h 43 min
